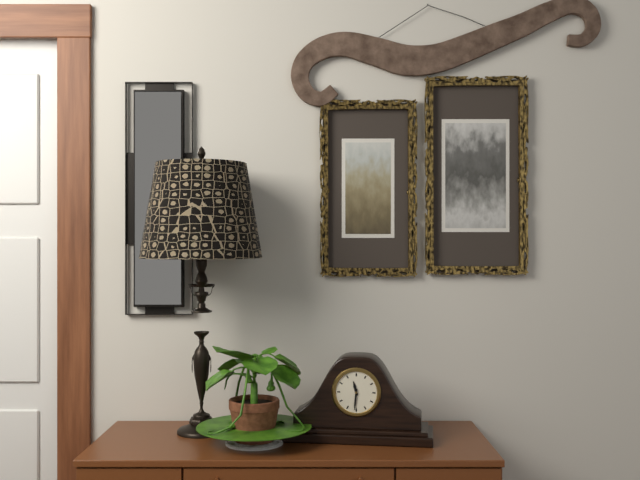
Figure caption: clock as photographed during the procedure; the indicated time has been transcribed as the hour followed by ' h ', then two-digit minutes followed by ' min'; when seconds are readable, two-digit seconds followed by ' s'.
11 h 31 min
